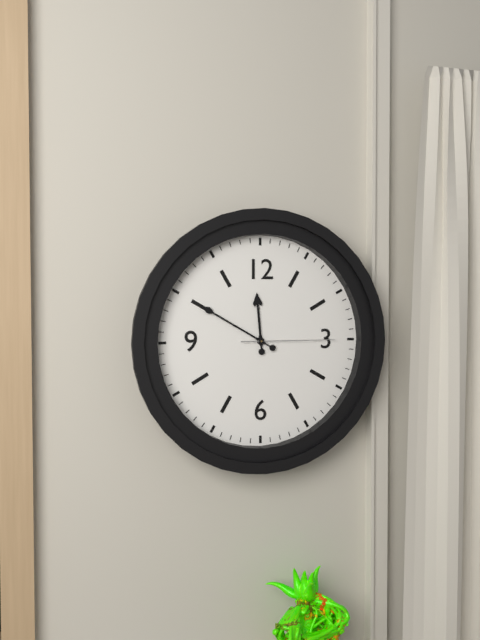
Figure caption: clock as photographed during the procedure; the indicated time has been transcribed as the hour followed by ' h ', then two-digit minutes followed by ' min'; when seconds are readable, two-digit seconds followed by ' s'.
11 h 50 min 15 s
